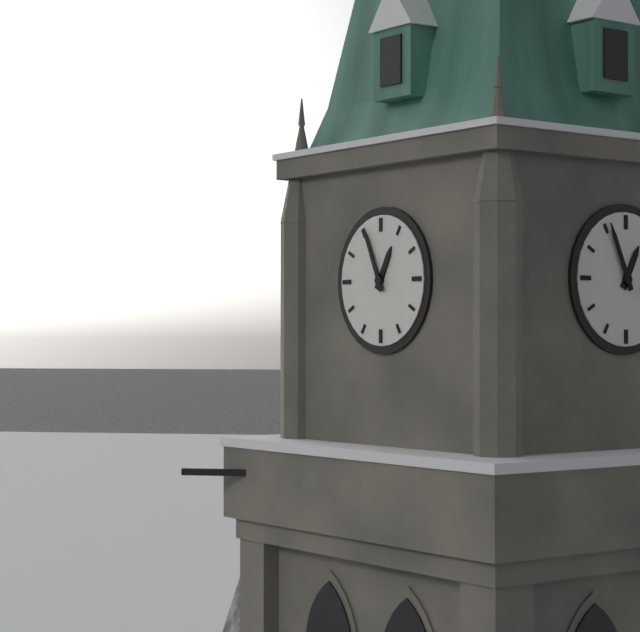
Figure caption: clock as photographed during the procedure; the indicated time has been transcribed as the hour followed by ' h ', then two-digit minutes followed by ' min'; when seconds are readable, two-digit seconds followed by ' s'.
12 h 56 min
